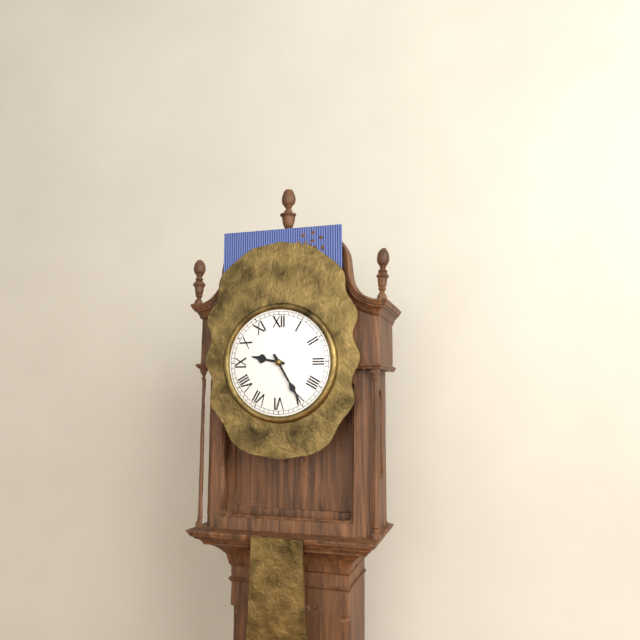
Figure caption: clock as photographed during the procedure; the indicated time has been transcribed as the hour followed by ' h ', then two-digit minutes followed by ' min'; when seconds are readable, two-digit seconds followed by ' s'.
9 h 25 min
